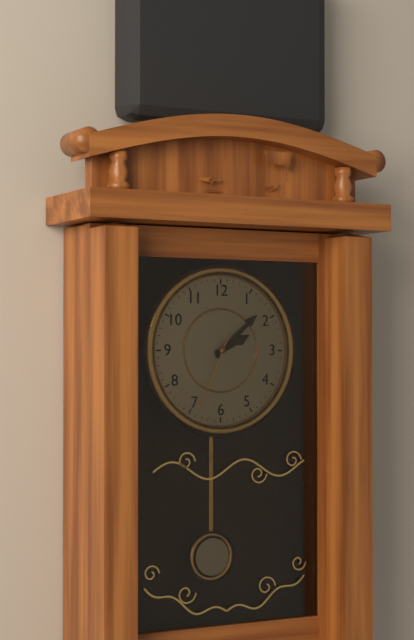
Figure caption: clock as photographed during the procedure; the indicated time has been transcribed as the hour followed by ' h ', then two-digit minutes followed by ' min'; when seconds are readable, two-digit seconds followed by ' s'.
2 h 08 min 34 s
